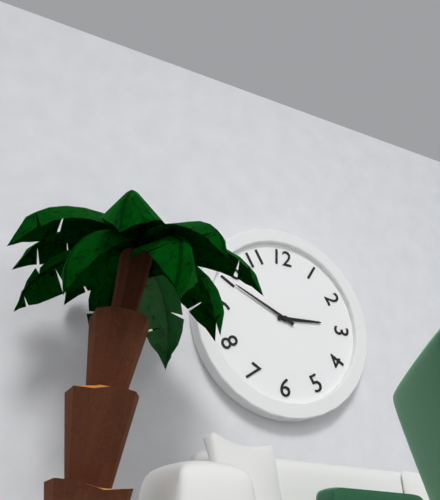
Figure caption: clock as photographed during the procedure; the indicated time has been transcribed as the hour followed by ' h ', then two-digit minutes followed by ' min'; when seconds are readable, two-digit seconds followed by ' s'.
2 h 49 min
